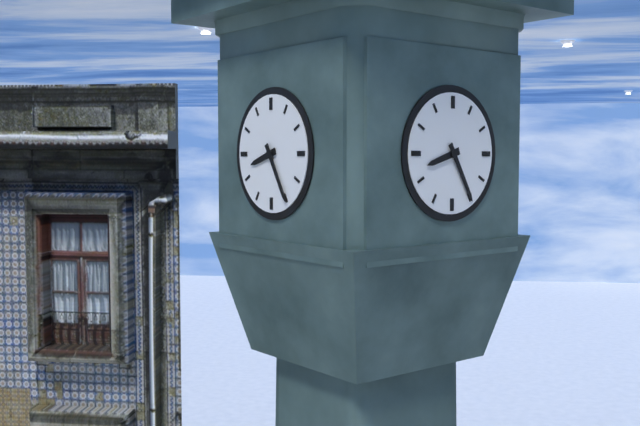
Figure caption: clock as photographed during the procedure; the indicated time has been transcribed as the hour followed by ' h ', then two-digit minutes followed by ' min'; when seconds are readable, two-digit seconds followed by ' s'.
8 h 25 min
